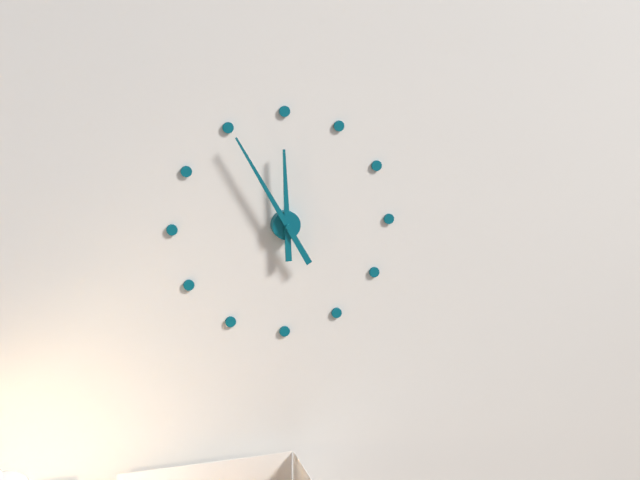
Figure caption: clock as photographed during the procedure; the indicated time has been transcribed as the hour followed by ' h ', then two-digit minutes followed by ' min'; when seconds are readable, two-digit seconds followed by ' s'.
11 h 55 min
